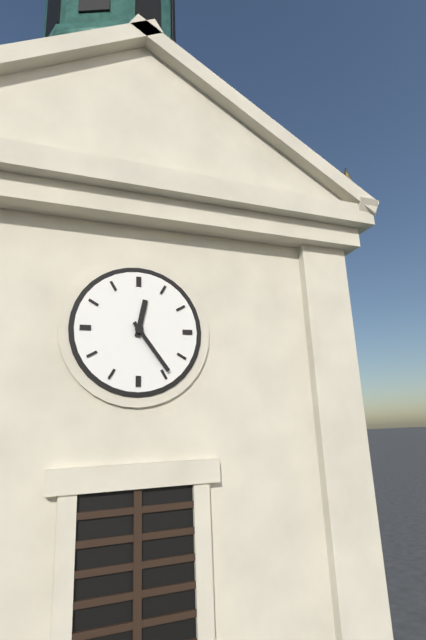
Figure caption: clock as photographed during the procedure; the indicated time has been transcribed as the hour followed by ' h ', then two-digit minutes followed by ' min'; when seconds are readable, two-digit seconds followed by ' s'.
12 h 24 min
